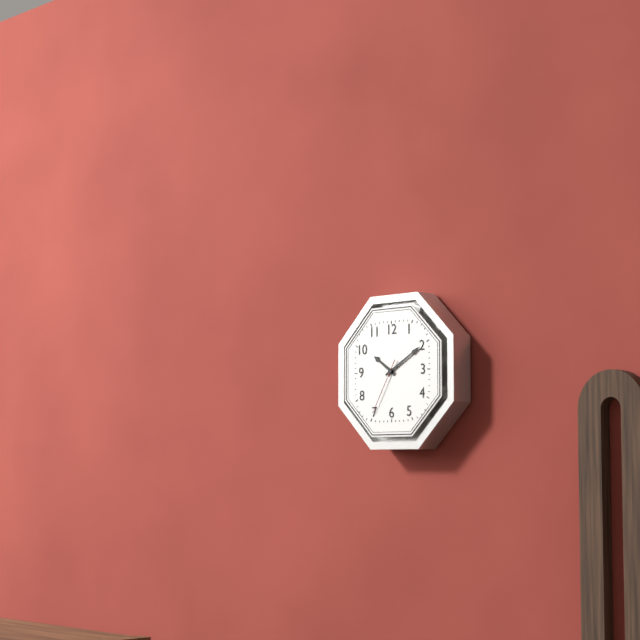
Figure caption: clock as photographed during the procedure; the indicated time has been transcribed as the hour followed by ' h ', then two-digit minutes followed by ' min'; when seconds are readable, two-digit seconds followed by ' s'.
10 h 10 min 35 s
